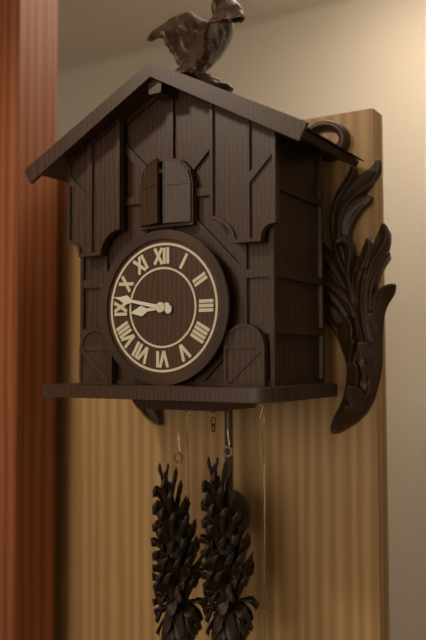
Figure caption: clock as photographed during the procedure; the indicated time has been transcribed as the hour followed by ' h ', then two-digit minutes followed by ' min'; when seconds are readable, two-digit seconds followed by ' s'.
8 h 47 min
